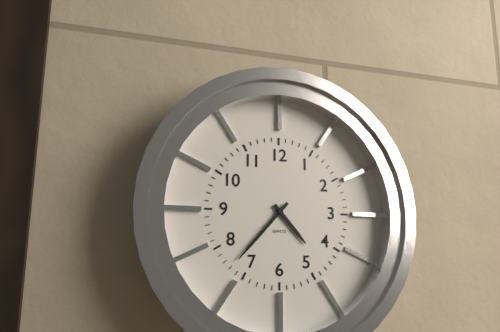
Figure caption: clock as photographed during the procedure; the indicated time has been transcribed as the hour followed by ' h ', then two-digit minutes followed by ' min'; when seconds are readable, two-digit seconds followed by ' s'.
4 h 37 min
